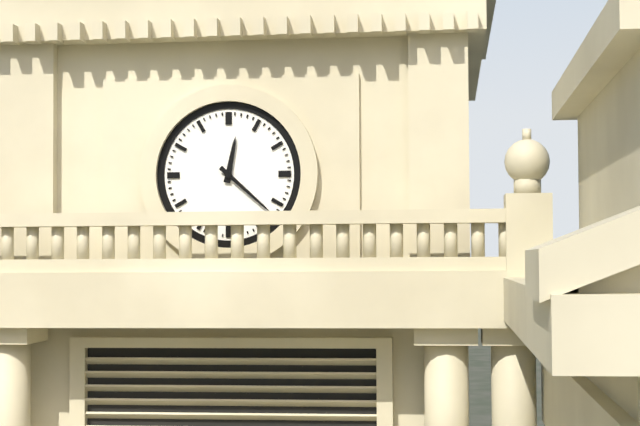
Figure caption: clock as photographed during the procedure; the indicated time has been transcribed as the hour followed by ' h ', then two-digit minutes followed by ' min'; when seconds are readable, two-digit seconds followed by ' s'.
12 h 22 min
